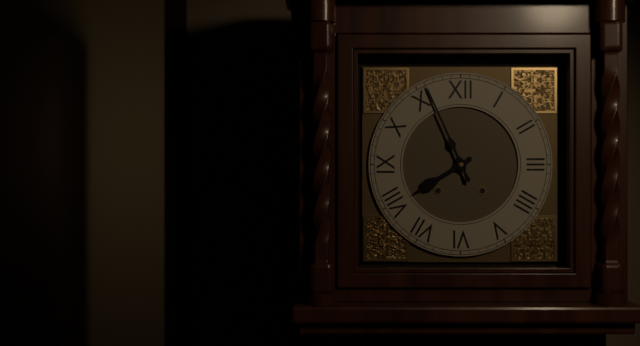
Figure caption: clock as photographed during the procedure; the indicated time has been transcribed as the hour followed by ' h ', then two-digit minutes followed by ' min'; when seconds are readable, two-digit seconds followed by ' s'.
7 h 56 min
